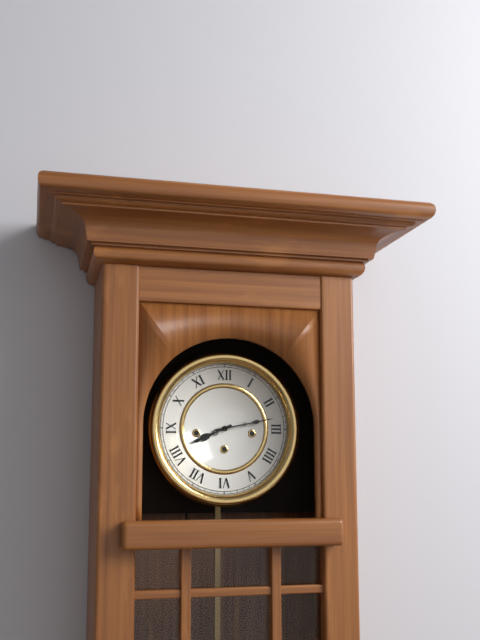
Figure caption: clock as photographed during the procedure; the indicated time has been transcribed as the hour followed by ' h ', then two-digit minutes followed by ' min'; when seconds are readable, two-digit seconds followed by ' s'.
8 h 13 min
